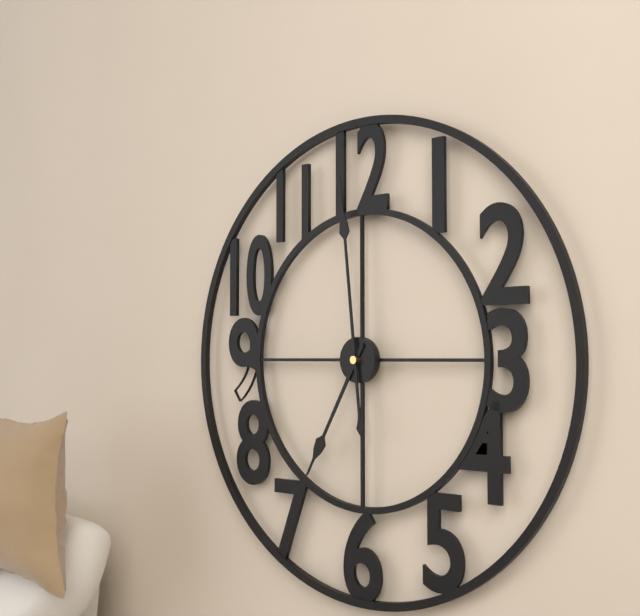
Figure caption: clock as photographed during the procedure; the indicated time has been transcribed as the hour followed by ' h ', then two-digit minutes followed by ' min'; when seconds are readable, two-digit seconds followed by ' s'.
6 h 59 min
